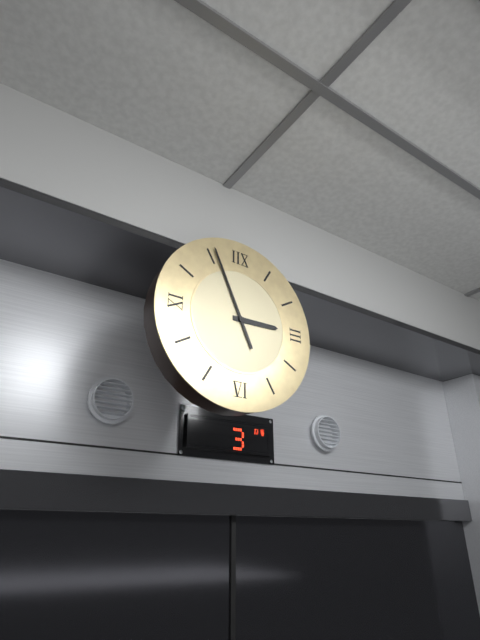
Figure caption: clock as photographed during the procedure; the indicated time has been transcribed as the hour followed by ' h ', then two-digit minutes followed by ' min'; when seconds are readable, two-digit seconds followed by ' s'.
2 h 56 min
